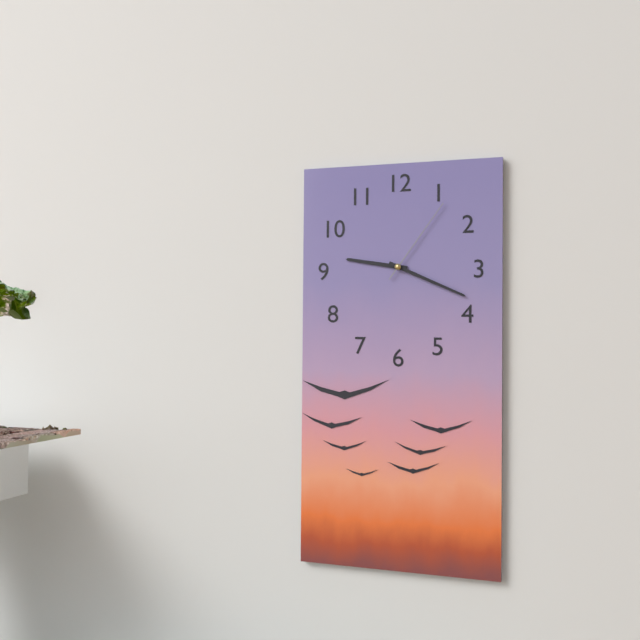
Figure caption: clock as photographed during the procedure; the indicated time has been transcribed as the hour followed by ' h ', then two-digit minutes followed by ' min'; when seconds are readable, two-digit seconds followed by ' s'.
9 h 19 min 06 s
